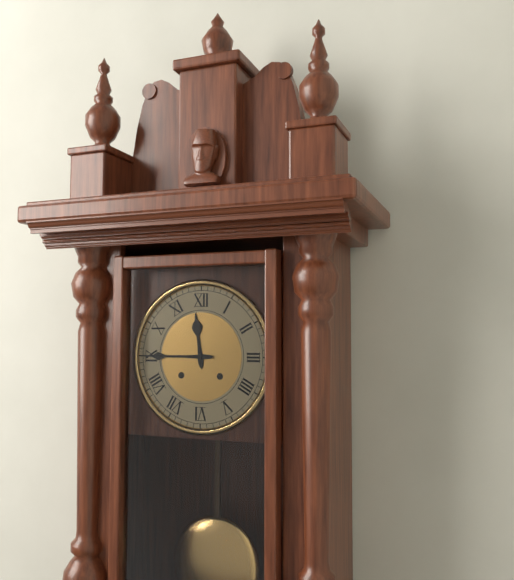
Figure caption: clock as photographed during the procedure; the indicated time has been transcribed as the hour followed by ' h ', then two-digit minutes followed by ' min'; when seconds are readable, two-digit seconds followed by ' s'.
11 h 45 min
